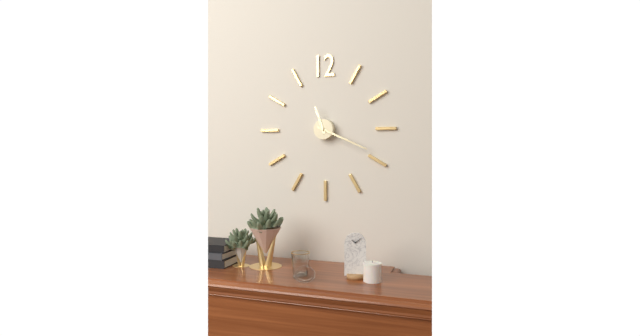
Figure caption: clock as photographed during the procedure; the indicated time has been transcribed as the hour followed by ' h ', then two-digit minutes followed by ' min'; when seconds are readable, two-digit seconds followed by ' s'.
11 h 19 min
